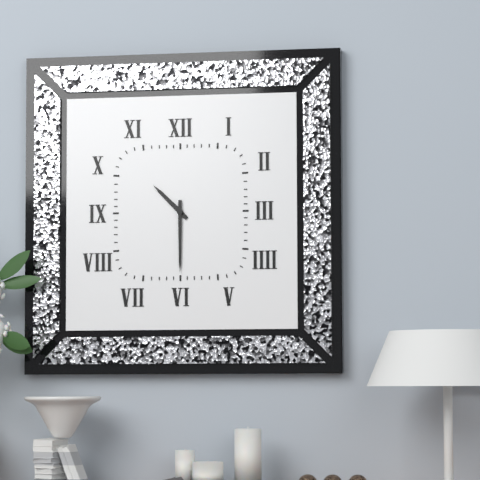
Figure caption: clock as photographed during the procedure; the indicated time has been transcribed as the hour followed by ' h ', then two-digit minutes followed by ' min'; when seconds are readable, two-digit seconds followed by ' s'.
10 h 30 min
